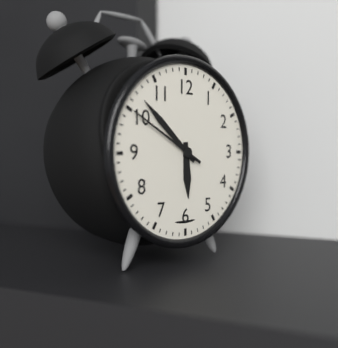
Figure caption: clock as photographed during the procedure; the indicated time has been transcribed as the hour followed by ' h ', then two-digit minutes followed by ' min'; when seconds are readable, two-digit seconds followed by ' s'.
5 h 52 min 50 s
